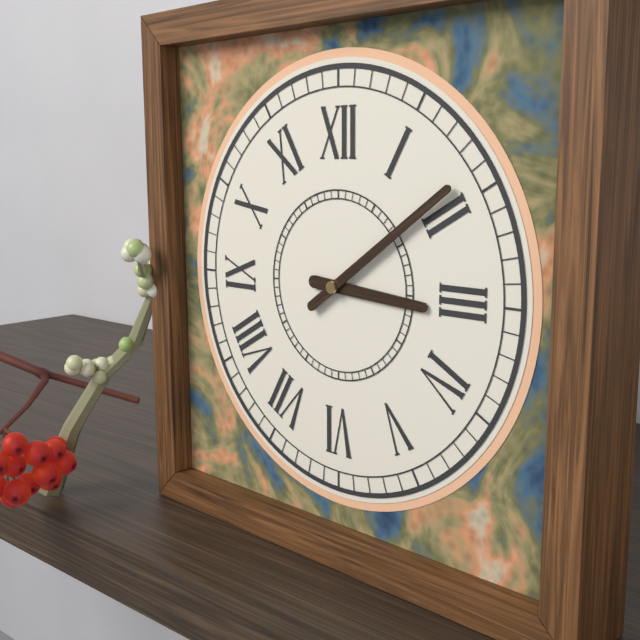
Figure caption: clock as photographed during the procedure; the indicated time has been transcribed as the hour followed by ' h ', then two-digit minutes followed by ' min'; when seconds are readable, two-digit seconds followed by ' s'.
3 h 09 min
